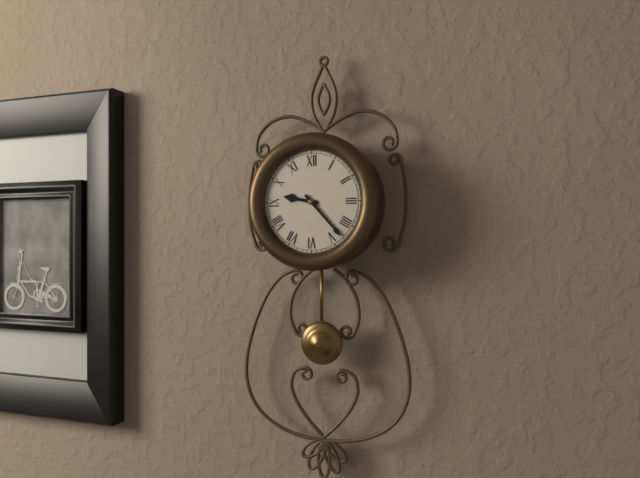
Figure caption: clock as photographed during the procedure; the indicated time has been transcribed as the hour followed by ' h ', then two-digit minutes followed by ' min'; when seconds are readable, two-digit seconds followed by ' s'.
9 h 23 min
